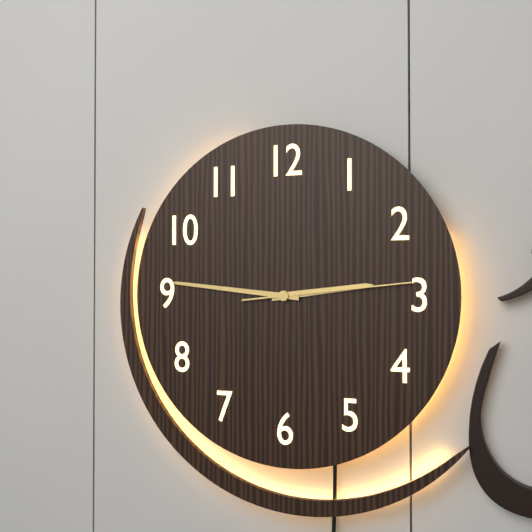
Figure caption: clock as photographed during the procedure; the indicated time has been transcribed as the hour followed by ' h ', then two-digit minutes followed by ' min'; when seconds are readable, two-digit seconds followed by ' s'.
2 h 46 min 14 s
